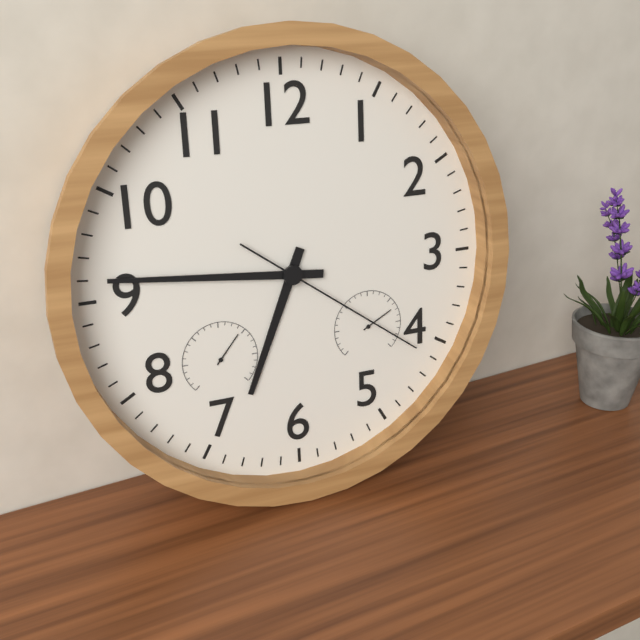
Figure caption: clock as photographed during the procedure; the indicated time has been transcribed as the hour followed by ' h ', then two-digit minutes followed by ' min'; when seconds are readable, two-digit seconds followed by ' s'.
6 h 46 min 21 s
